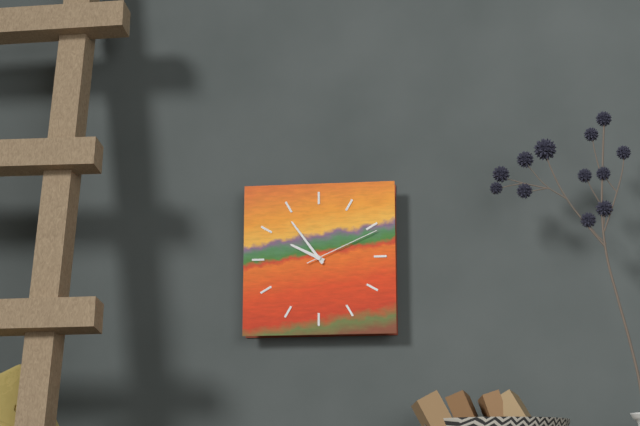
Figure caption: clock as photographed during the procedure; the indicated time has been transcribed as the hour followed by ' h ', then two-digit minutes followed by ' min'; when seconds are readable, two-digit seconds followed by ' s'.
9 h 54 min 11 s
